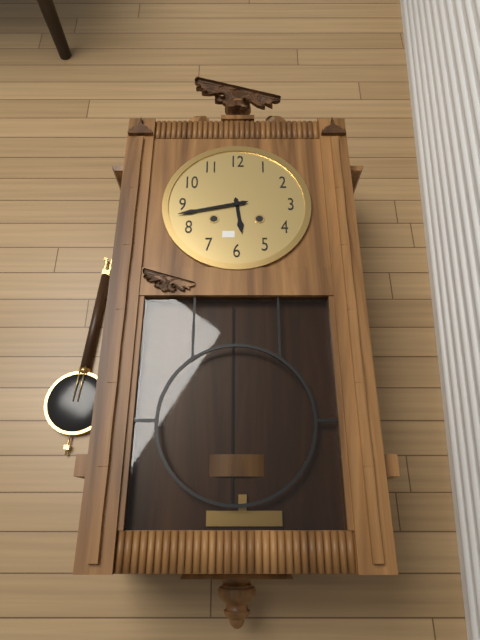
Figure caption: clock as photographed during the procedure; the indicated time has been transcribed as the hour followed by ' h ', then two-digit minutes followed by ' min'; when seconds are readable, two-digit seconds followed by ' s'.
5 h 43 min
